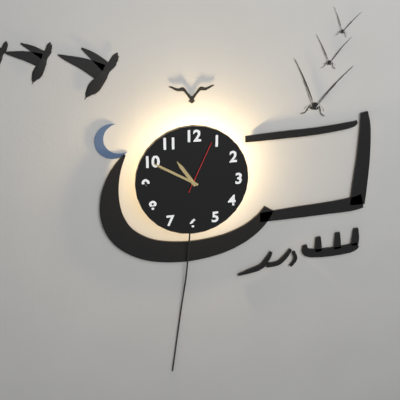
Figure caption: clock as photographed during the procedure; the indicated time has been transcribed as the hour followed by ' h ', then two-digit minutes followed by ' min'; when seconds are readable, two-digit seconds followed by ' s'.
10 h 50 min 04 s
